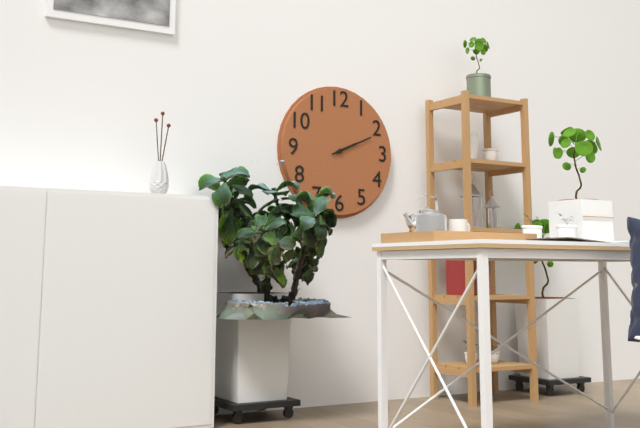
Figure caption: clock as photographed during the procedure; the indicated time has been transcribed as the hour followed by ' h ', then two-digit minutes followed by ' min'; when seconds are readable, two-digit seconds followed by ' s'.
2 h 11 min
